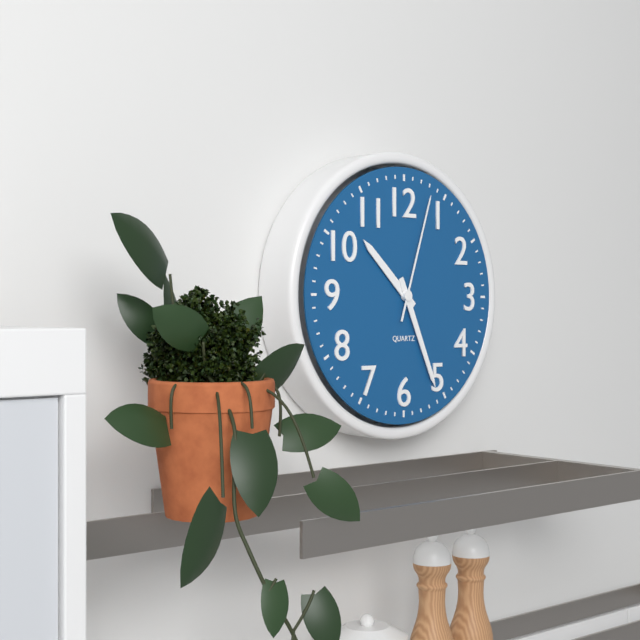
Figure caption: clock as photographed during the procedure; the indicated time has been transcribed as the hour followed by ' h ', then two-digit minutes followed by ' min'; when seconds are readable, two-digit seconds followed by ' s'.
10 h 26 min 03 s
